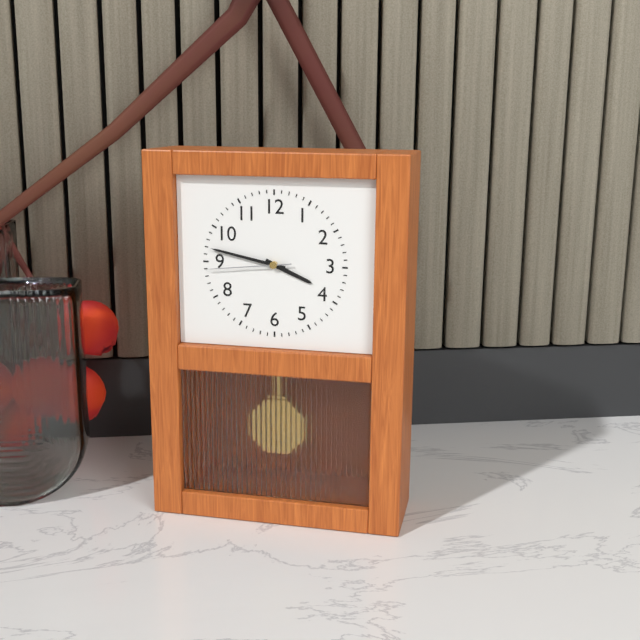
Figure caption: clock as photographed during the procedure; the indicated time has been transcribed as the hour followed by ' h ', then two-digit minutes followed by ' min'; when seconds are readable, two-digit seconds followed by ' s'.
3 h 47 min 44 s
